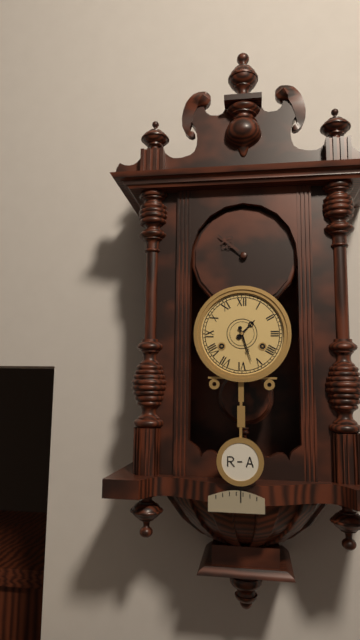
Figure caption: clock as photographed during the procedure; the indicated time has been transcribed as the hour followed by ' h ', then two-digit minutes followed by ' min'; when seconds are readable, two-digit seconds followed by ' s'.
1 h 27 min
